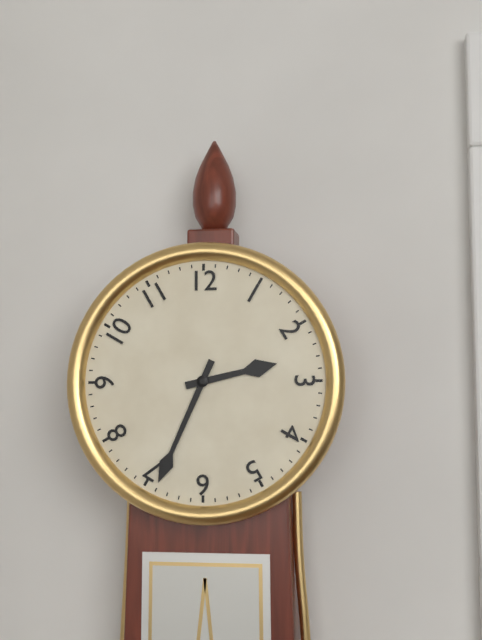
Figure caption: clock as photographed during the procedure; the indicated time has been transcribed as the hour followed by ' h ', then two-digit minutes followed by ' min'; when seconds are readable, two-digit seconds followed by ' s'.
2 h 34 min
